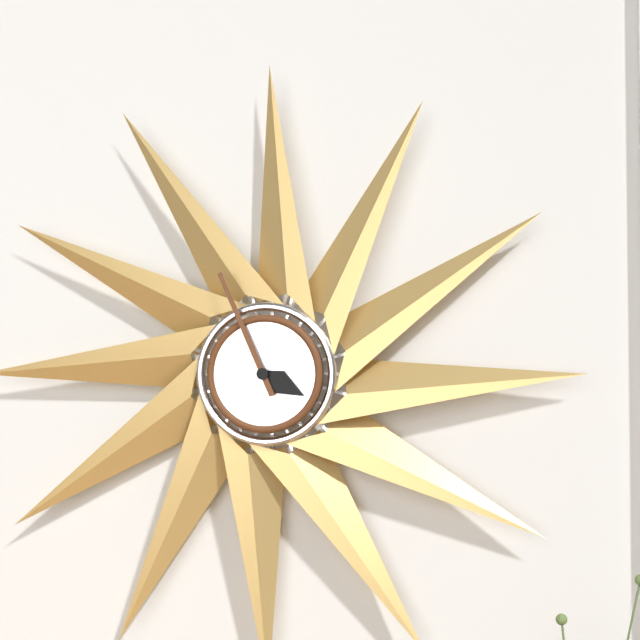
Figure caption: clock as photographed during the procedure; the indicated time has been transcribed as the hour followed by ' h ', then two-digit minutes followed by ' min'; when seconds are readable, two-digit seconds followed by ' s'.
3 h 56 min
